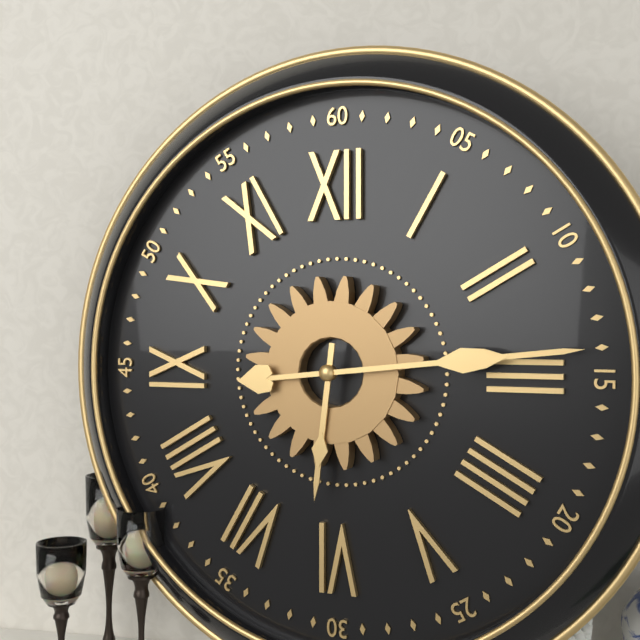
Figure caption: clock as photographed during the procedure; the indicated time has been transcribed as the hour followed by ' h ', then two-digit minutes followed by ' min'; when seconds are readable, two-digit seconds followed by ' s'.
6 h 14 min
